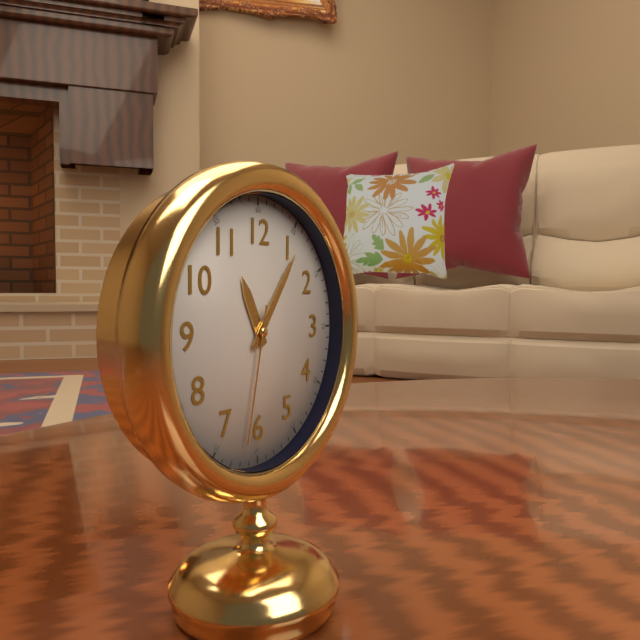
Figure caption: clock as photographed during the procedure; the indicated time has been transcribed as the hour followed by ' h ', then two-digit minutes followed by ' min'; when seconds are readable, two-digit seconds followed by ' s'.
11 h 06 min 32 s
